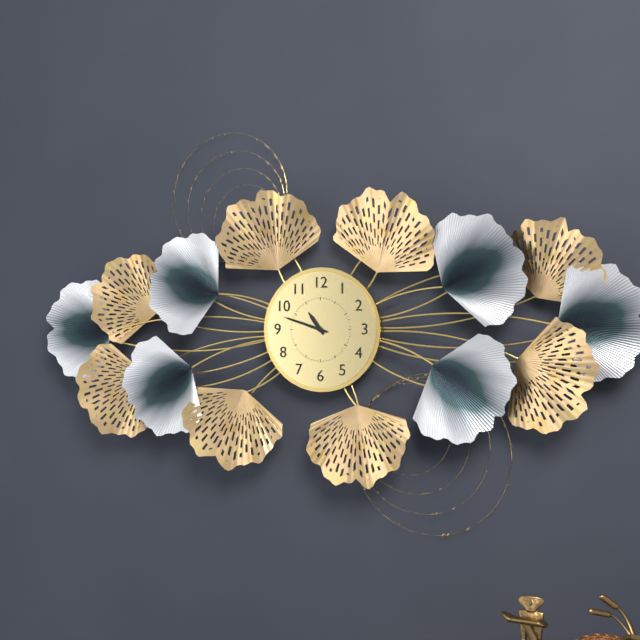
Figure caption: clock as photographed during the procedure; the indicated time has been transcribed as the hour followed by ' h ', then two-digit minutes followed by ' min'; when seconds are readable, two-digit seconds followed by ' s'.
10 h 48 min
